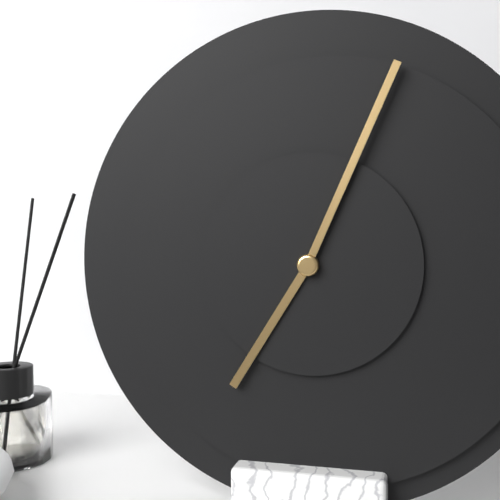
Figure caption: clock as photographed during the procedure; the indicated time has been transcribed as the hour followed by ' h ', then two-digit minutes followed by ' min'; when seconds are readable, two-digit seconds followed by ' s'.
7 h 04 min
